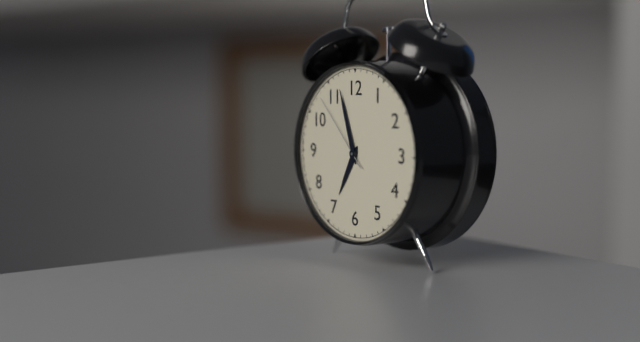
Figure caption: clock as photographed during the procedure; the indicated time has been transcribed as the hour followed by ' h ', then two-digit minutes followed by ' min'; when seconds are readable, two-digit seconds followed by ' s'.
6 h 57 min 53 s
